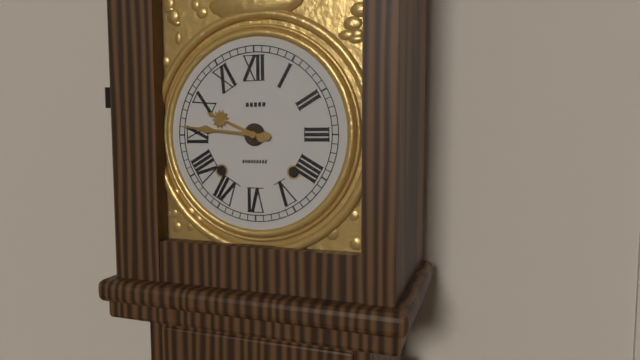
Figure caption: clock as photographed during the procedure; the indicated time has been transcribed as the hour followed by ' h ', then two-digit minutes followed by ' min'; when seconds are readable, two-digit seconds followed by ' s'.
9 h 46 min
